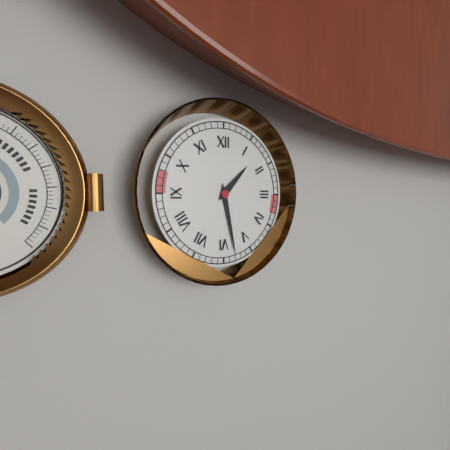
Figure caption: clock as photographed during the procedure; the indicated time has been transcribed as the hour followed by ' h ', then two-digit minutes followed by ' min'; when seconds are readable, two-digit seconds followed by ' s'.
1 h 28 min
